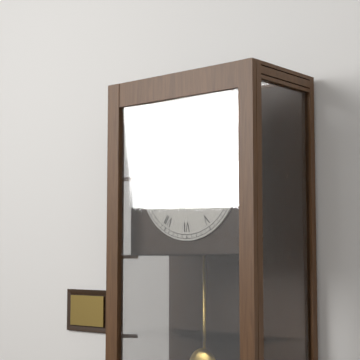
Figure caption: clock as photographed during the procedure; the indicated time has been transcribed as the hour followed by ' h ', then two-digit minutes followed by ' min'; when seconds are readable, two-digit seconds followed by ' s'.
5 h 09 min
